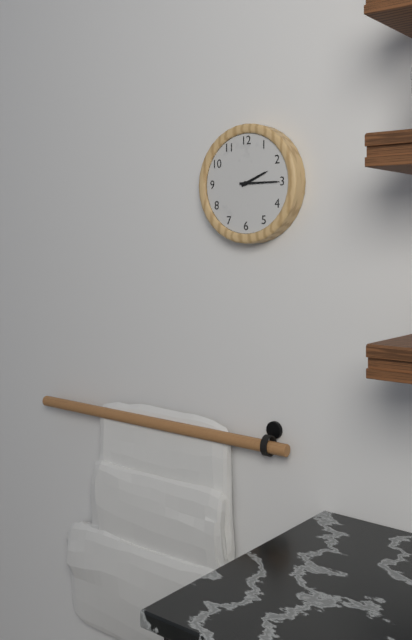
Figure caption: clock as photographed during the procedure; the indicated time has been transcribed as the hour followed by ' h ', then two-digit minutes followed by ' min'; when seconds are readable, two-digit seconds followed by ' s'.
2 h 15 min
